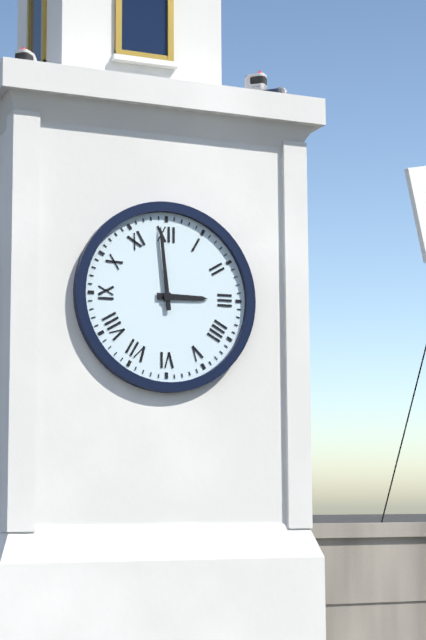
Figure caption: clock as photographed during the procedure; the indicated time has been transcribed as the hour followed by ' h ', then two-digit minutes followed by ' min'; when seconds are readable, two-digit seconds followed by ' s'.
2 h 59 min
